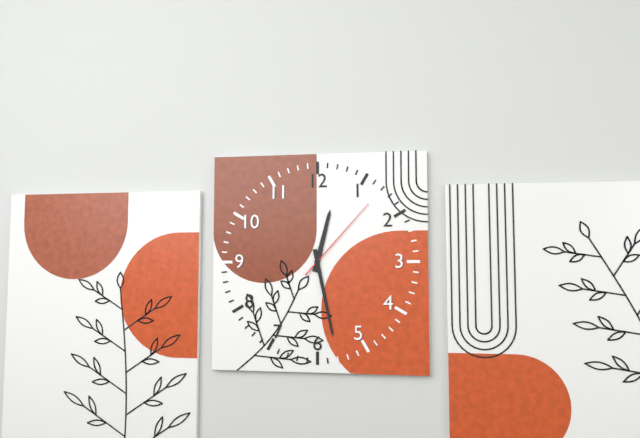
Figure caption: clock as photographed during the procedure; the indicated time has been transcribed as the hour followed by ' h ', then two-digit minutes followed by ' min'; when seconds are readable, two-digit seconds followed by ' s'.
12 h 28 min 07 s
